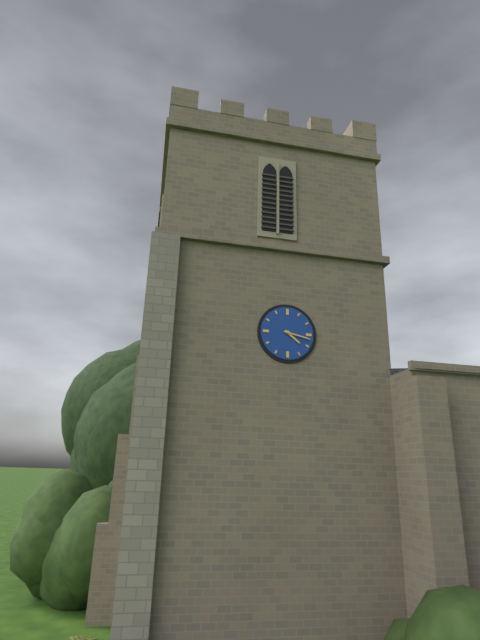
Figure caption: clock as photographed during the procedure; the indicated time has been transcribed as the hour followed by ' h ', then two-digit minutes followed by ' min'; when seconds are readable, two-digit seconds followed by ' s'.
4 h 17 min
